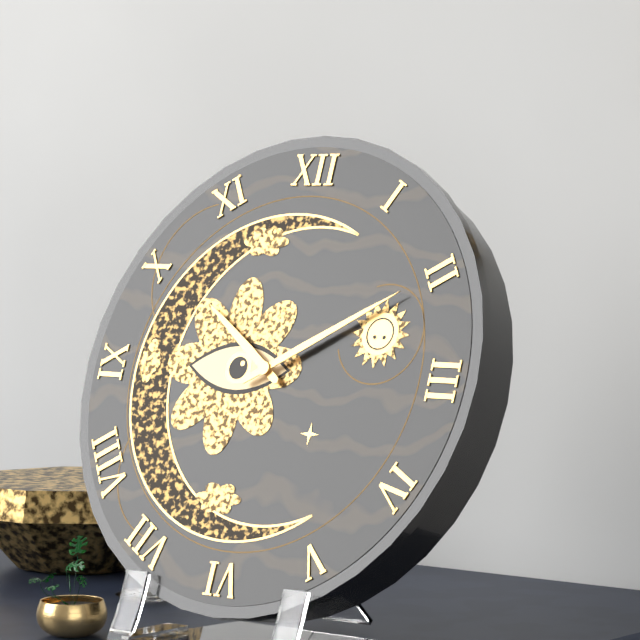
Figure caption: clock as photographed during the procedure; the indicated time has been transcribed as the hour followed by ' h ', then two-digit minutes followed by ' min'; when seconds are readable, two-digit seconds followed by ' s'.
10 h 10 min
